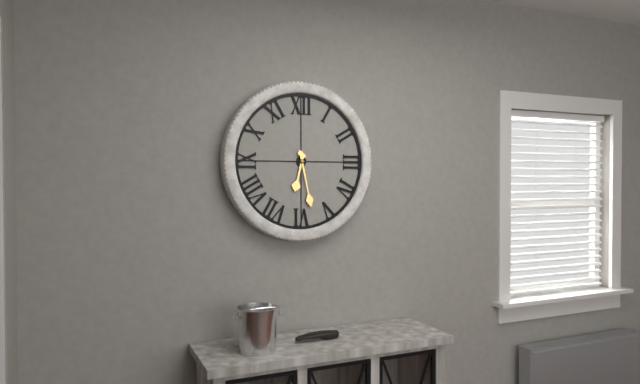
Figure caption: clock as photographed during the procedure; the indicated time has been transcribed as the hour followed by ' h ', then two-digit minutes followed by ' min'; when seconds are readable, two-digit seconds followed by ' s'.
6 h 28 min
